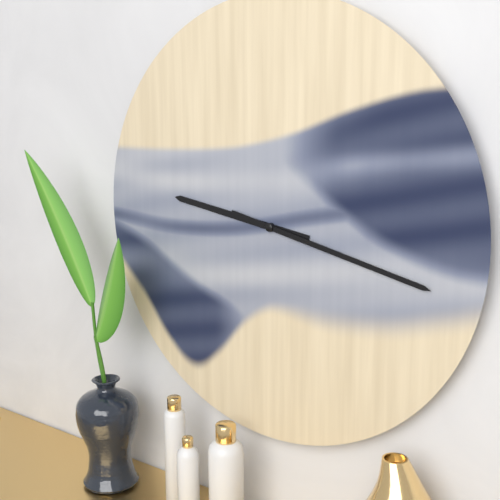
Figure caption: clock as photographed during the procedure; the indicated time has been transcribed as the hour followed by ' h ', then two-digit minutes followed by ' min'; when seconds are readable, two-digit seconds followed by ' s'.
9 h 17 min
